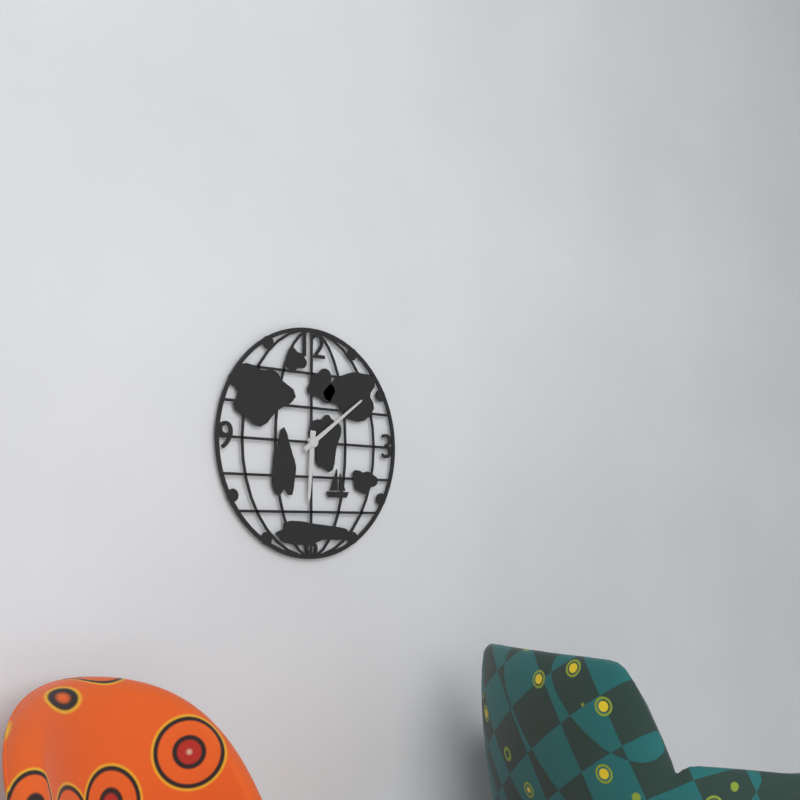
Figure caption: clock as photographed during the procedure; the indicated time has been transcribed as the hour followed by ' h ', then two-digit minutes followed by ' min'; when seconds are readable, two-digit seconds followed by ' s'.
6 h 09 min
